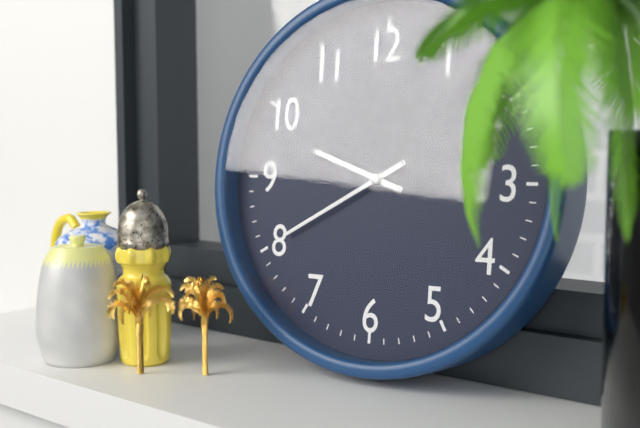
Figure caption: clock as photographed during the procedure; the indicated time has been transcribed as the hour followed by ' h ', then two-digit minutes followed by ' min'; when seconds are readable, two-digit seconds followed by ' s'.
9 h 40 min
